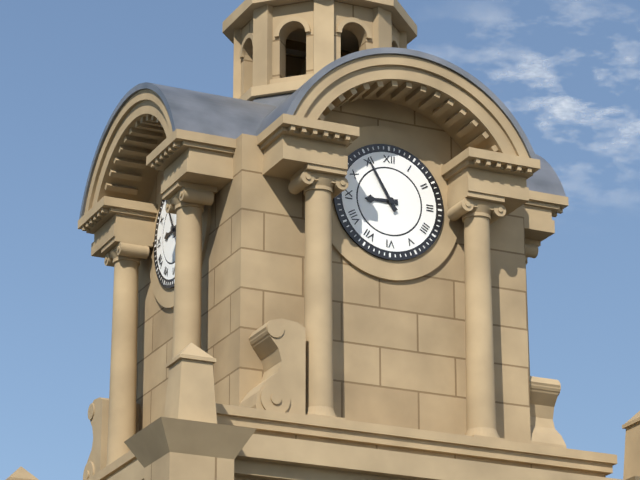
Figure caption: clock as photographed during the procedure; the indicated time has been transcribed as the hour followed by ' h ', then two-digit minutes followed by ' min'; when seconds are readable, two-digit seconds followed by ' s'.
8 h 55 min
